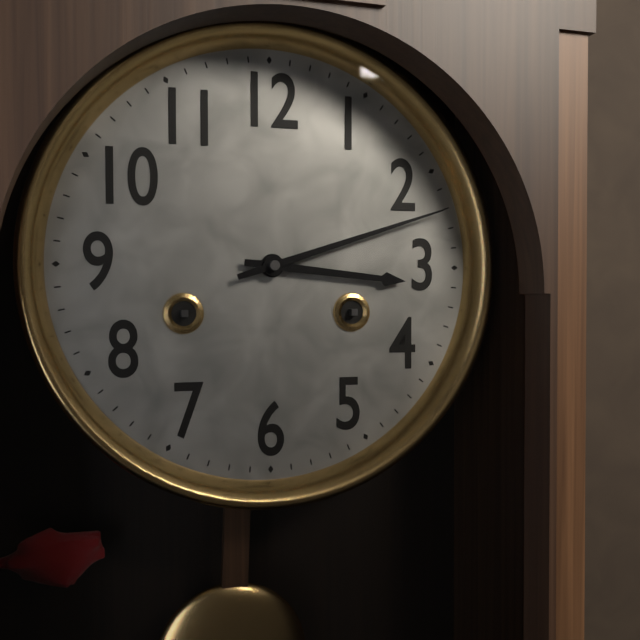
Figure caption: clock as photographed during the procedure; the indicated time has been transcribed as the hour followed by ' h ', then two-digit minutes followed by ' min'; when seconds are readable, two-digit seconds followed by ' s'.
3 h 12 min
